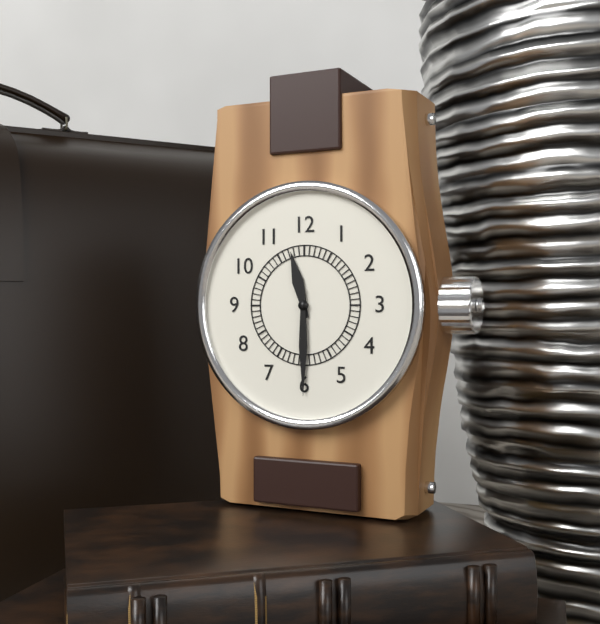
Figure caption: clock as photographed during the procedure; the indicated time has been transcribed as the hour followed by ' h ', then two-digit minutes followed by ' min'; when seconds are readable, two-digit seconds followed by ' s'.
11 h 30 min
